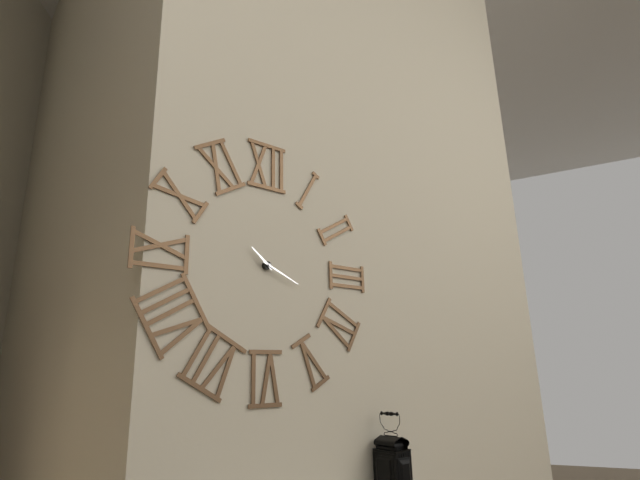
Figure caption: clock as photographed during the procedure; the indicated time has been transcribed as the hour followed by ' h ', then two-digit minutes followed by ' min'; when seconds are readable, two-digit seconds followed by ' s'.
10 h 19 min
